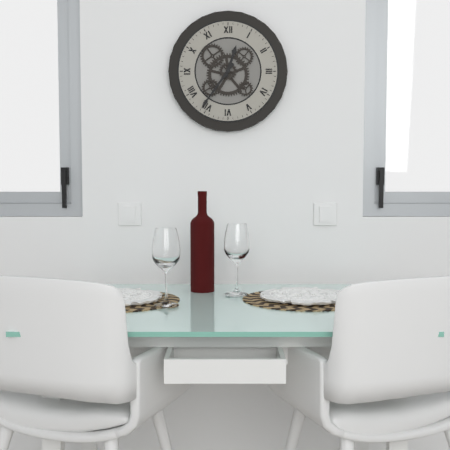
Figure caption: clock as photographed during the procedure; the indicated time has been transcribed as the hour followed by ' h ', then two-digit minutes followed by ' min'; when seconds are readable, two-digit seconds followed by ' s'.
12 h 36 min
